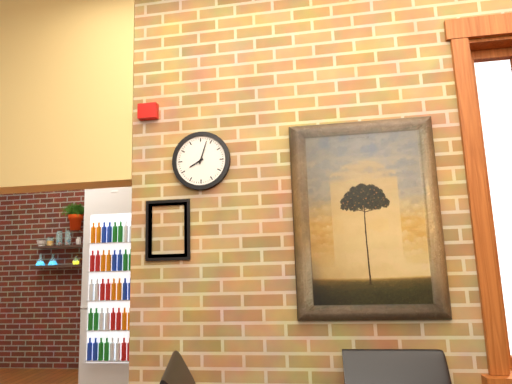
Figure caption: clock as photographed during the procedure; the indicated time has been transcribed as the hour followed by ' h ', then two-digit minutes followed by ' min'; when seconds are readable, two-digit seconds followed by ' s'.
8 h 03 min
